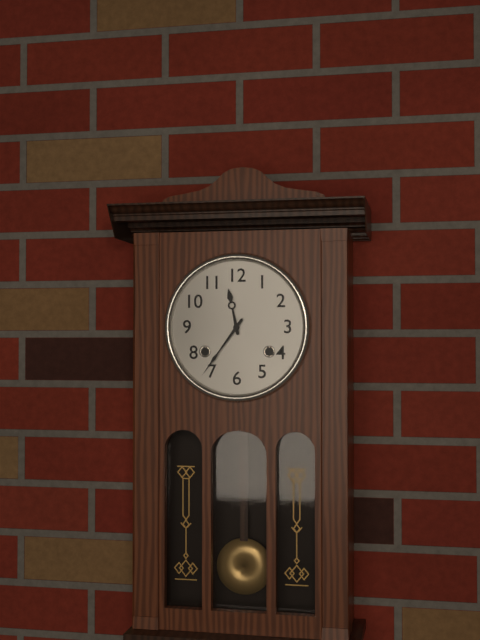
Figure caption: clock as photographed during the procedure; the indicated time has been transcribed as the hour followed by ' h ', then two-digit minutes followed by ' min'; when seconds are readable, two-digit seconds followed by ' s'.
11 h 36 min
